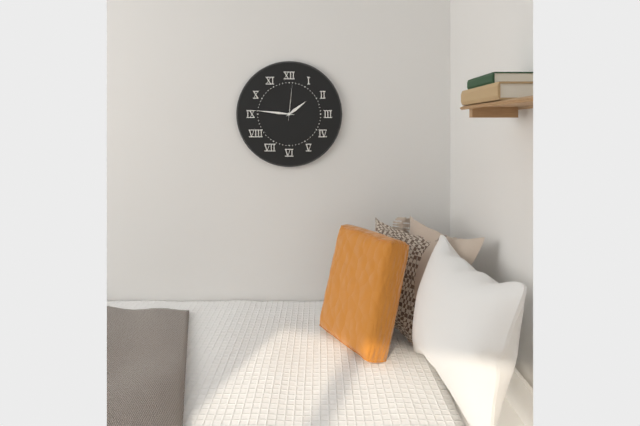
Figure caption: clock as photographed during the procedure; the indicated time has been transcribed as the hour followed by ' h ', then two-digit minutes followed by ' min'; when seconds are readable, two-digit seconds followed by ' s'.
1 h 46 min
